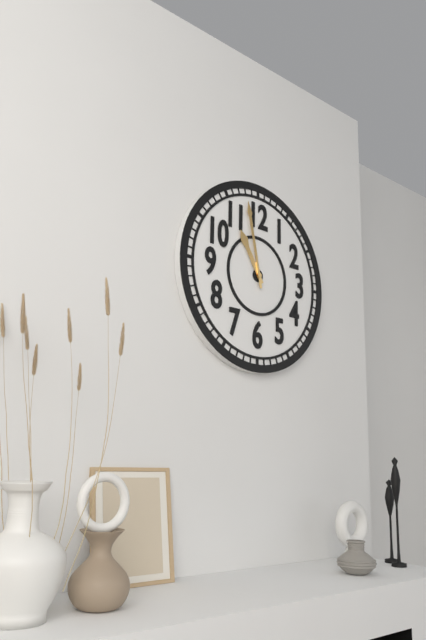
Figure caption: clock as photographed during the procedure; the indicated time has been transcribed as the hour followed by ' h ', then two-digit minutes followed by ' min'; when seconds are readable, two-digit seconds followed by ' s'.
10 h 58 min
